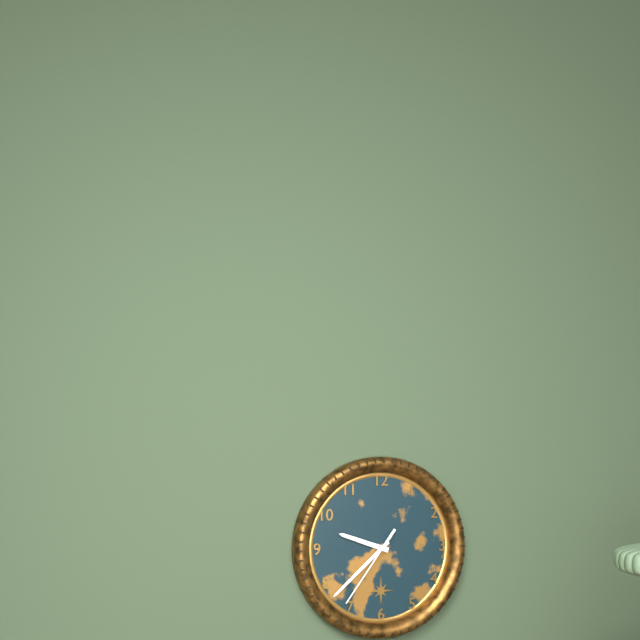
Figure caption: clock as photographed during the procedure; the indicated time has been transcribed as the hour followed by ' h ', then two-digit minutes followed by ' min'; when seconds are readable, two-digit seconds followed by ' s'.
9 h 38 min 36 s
